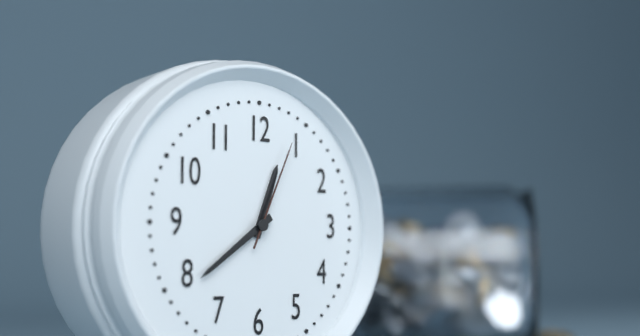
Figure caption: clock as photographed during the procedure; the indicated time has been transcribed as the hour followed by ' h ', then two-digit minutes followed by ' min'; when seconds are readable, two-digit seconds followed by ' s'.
12 h 39 min 04 s
